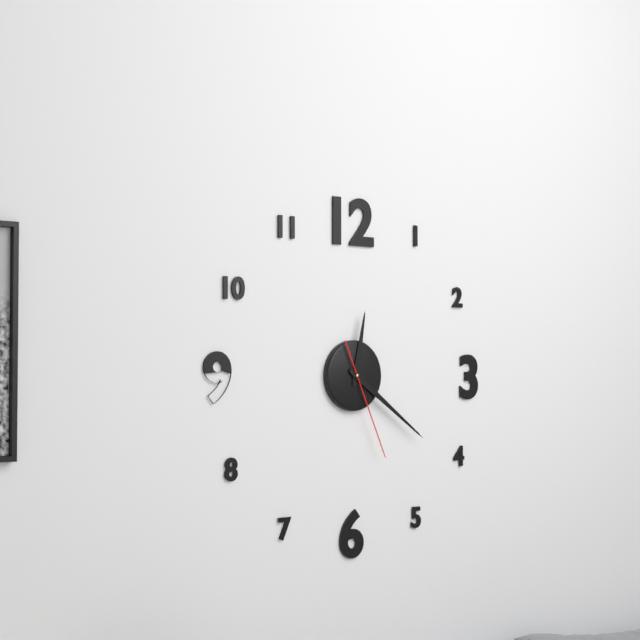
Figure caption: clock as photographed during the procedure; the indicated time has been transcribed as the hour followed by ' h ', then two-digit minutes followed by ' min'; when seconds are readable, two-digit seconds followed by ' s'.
12 h 21 min 26 s
